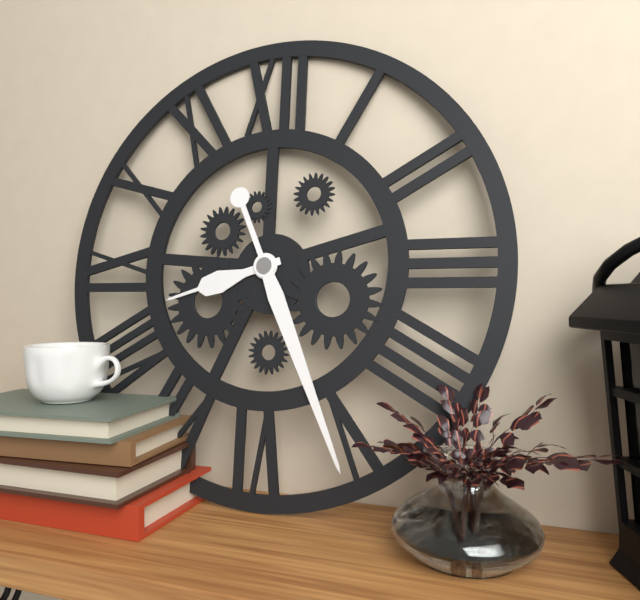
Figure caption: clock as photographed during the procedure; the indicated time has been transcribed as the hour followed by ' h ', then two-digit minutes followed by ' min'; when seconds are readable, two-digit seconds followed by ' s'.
8 h 26 min
